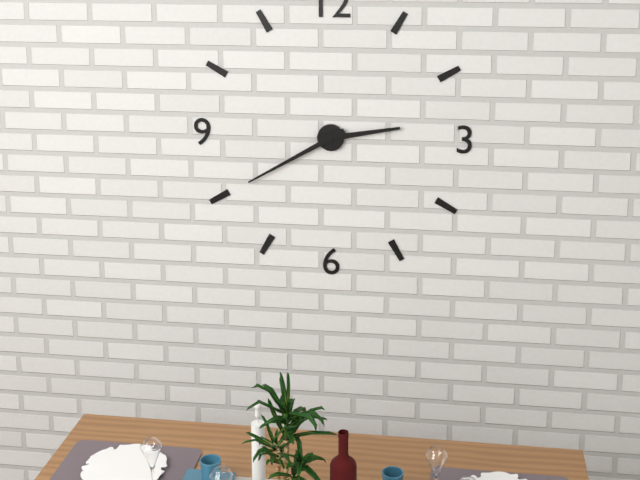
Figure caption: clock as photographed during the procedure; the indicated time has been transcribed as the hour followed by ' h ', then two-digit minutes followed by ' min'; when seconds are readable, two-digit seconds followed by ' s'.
2 h 40 min
